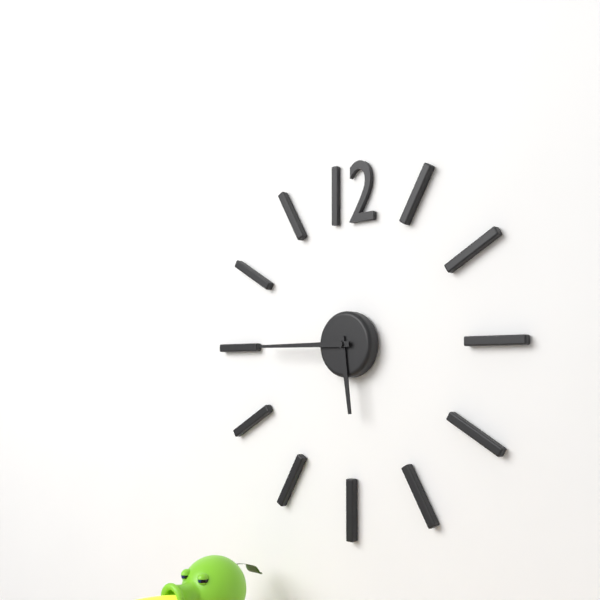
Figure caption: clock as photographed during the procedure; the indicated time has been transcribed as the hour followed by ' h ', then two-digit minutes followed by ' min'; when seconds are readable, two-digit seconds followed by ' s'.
5 h 45 min
